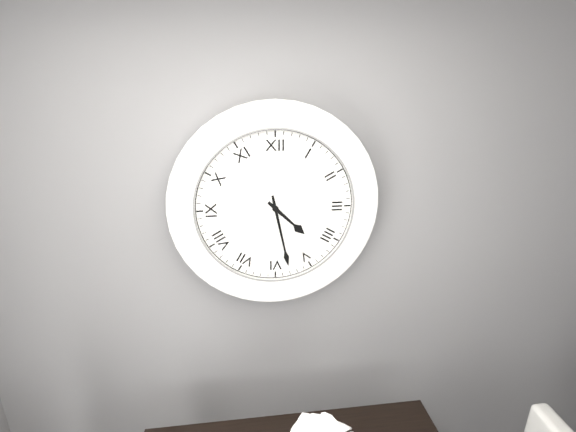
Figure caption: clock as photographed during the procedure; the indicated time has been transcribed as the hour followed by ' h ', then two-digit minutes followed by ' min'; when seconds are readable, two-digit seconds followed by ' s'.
4 h 28 min
